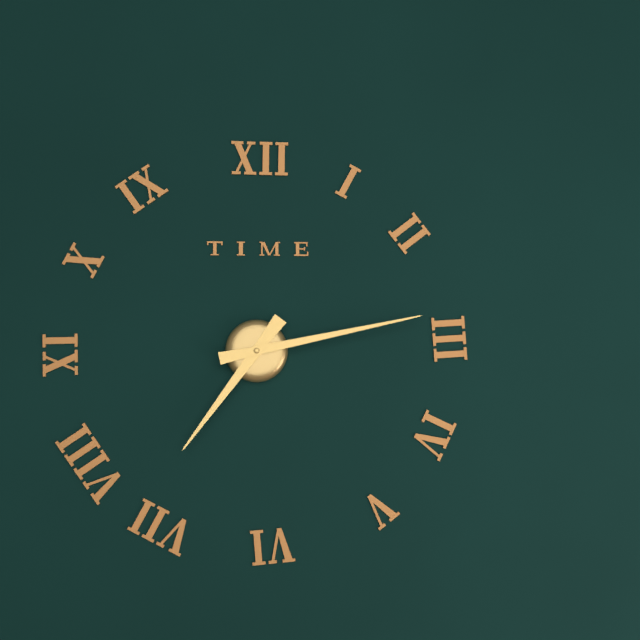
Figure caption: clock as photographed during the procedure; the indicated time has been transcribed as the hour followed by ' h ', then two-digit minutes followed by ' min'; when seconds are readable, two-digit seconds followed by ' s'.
7 h 13 min
